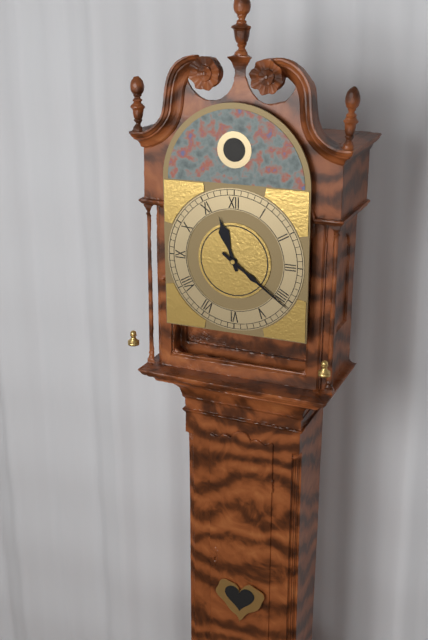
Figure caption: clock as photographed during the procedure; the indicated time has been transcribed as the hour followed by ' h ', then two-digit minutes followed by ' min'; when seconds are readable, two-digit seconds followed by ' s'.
11 h 21 min
